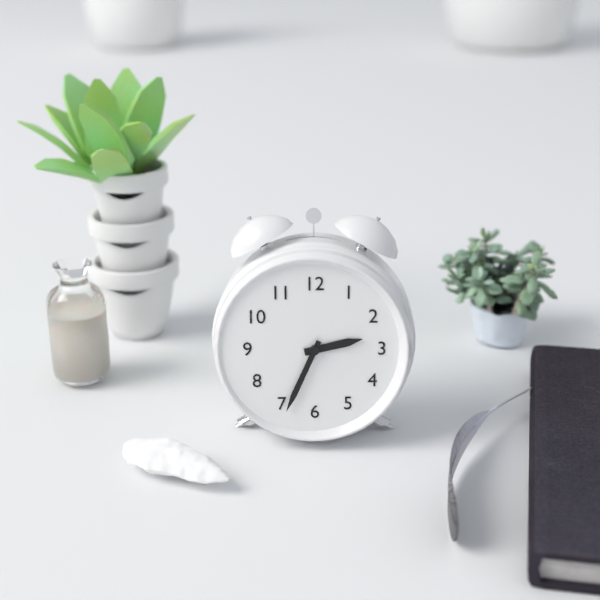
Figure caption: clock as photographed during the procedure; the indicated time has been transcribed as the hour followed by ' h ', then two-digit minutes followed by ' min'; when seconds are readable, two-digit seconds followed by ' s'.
2 h 34 min
